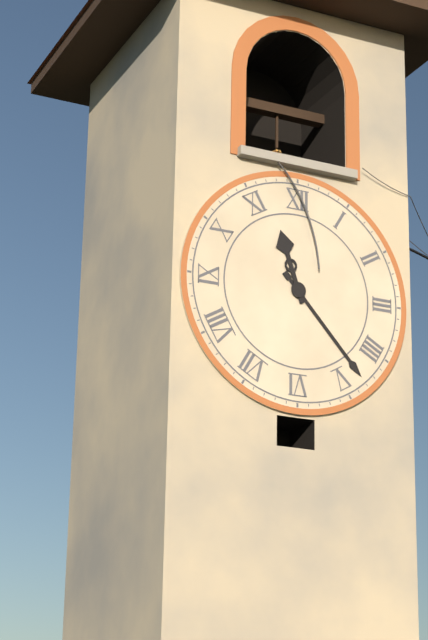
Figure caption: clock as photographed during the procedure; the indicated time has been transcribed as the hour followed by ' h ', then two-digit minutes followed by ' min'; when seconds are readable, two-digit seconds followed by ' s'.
11 h 23 min
